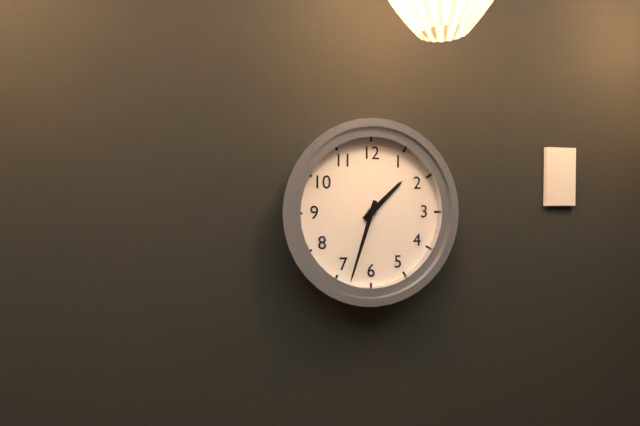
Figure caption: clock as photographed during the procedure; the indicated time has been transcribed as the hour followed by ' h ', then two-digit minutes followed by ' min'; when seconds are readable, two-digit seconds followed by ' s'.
1 h 33 min
